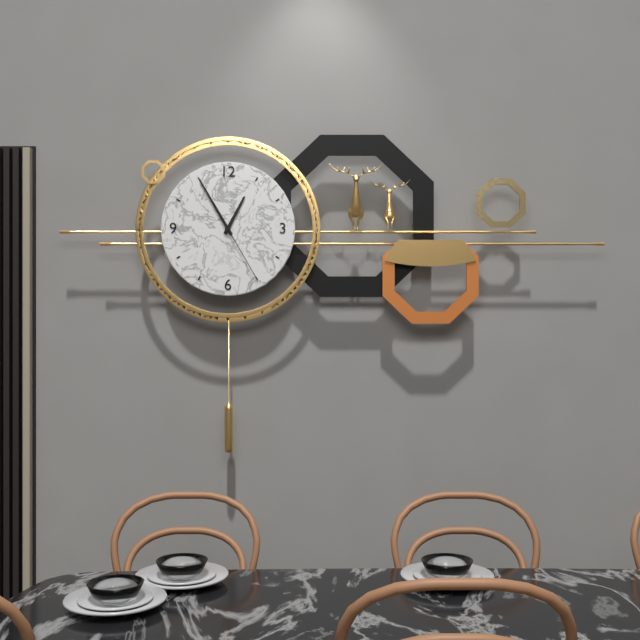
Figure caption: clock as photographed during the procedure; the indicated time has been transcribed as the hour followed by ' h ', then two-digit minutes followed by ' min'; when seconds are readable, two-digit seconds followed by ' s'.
12 h 55 min 25 s
